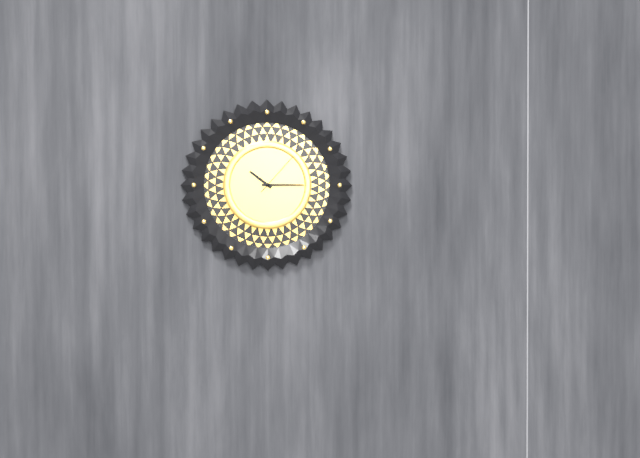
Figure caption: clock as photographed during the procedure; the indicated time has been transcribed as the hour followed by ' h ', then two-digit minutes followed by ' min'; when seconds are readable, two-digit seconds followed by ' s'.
10 h 15 min
